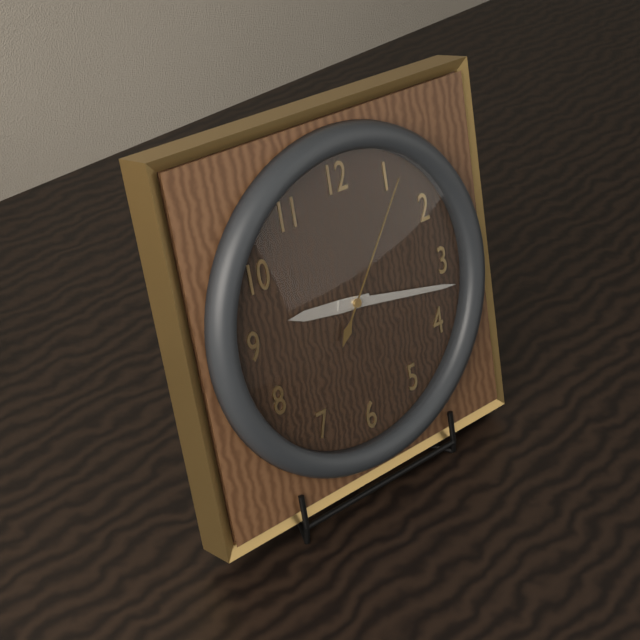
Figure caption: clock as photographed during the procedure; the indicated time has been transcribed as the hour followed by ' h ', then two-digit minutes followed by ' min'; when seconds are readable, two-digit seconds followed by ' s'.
9 h 17 min 06 s
